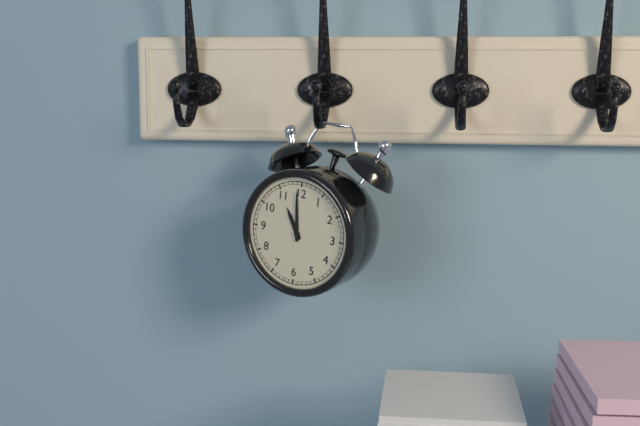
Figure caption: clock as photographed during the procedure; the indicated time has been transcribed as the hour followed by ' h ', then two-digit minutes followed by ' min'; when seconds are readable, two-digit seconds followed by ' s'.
10 h 59 min
